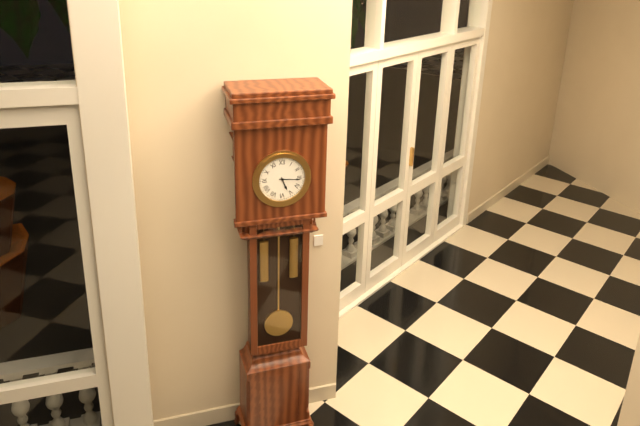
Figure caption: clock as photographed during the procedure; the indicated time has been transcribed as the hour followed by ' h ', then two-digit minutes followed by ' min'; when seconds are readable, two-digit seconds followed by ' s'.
5 h 16 min
